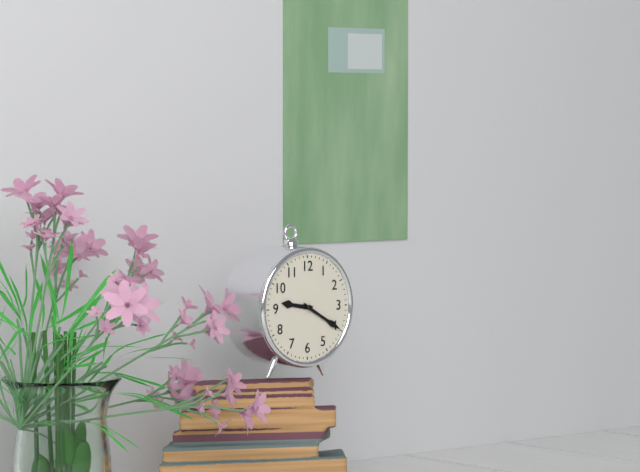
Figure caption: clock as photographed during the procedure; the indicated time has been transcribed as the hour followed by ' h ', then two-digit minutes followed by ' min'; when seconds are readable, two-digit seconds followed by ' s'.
9 h 20 min
